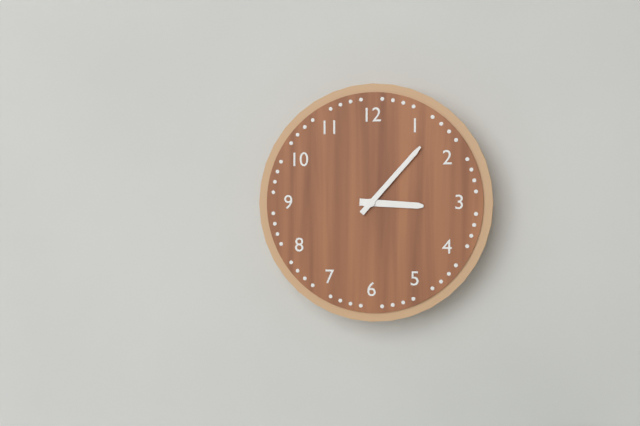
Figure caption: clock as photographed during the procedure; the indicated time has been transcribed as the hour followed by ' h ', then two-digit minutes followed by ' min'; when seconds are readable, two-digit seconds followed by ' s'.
3 h 07 min
